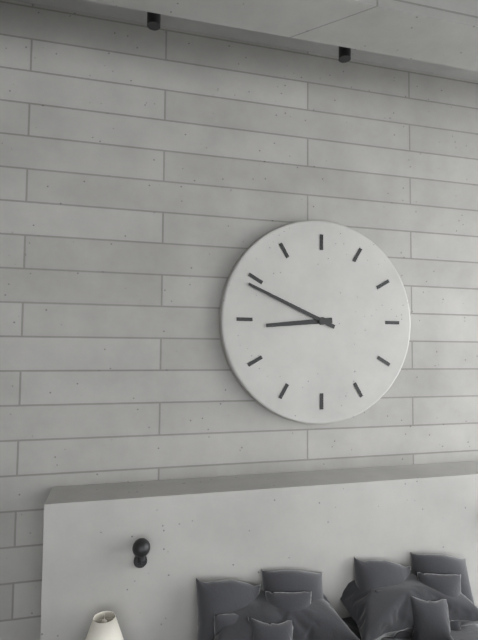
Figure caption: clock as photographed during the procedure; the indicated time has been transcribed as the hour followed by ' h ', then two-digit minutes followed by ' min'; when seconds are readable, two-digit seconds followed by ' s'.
8 h 49 min
